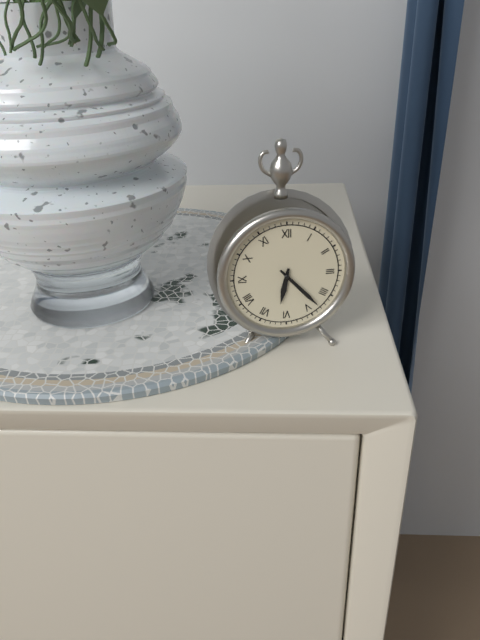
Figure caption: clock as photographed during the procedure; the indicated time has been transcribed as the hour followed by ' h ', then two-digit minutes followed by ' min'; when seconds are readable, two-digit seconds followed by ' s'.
6 h 23 min
